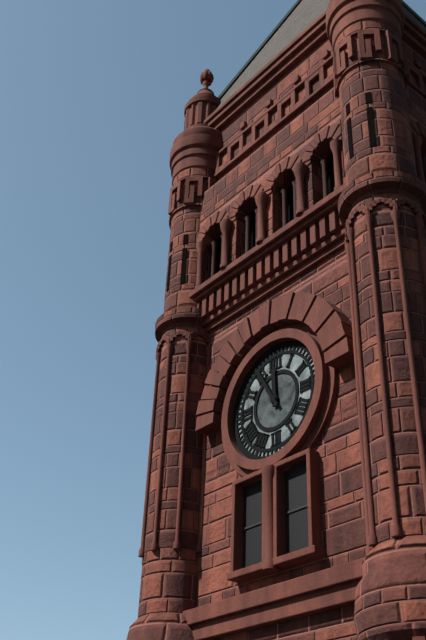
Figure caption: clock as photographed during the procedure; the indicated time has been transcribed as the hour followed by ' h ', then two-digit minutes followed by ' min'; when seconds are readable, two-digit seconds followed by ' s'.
11 h 55 min
